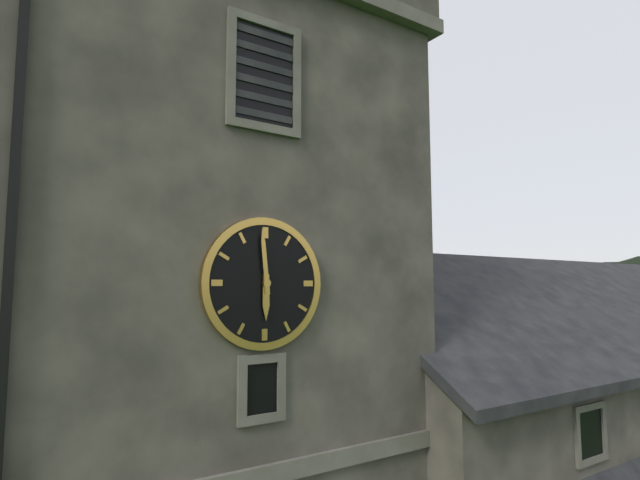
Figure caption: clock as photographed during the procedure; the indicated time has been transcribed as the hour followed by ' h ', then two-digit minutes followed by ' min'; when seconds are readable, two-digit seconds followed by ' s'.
5 h 59 min
